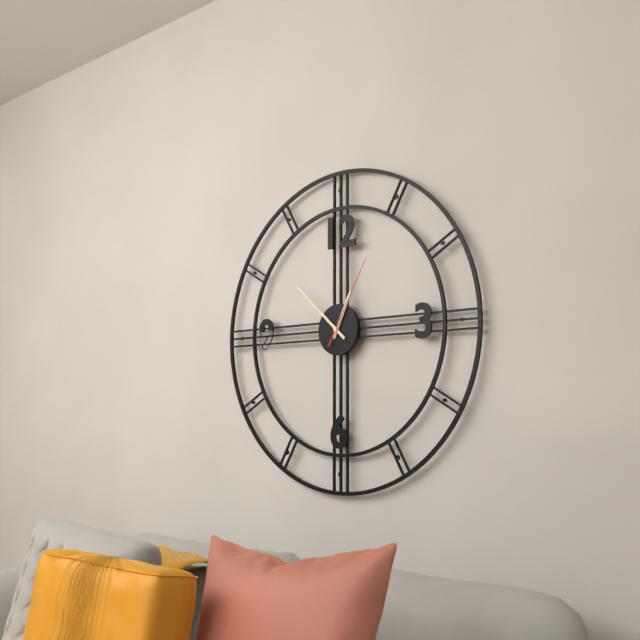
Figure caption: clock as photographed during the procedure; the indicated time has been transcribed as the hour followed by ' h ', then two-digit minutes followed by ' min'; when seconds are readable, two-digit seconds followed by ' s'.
12 h 52 min 05 s
